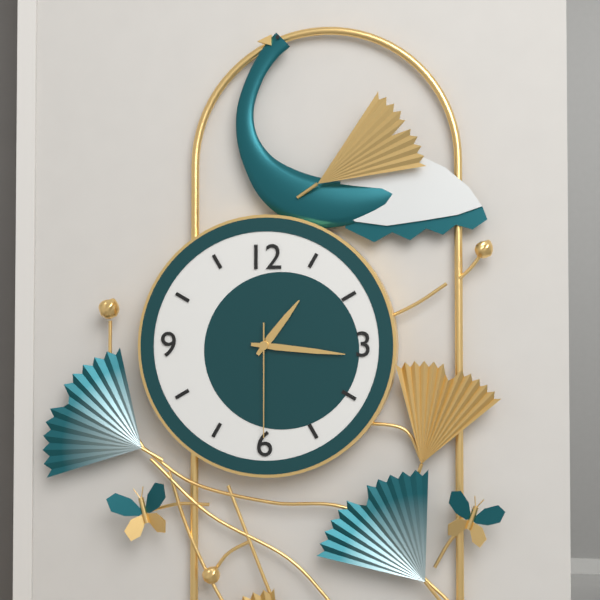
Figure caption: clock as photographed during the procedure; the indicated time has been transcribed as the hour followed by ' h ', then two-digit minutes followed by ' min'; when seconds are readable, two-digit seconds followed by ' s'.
1 h 16 min 30 s
